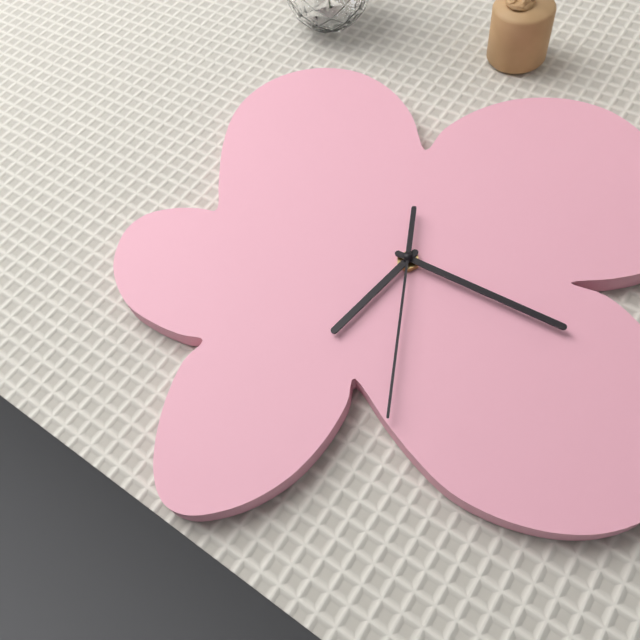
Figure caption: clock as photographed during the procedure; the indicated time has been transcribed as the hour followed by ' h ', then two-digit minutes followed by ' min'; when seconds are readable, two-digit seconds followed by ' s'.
7 h 20 min 31 s
